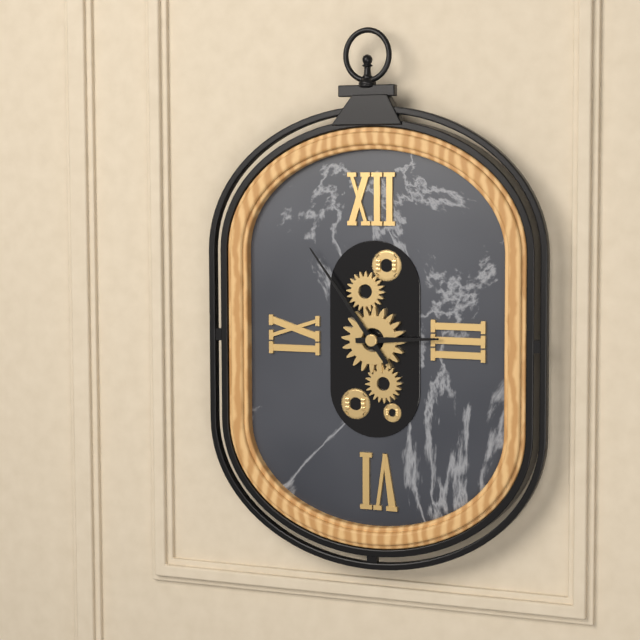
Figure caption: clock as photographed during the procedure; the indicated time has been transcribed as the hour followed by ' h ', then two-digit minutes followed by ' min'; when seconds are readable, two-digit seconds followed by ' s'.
2 h 54 min
